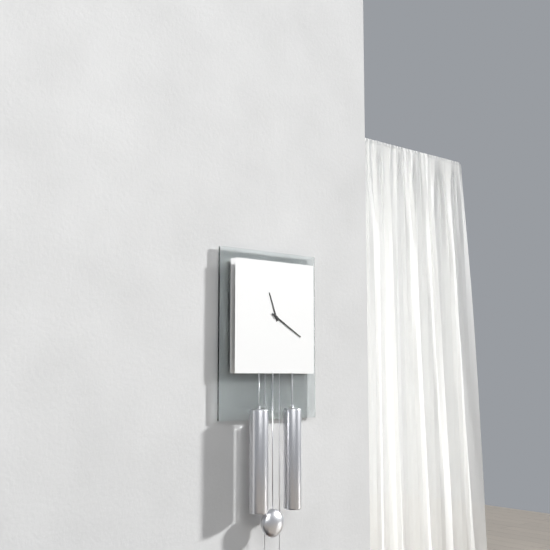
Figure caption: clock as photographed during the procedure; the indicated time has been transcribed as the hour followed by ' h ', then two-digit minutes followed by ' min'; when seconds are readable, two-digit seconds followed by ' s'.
11 h 20 min
